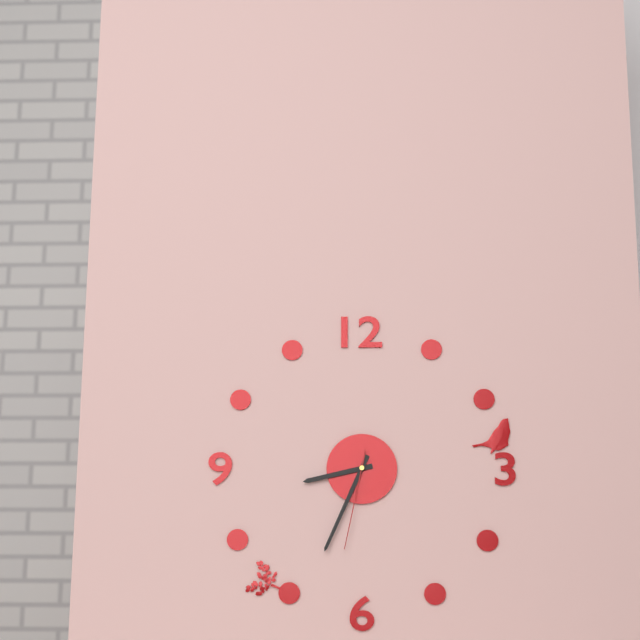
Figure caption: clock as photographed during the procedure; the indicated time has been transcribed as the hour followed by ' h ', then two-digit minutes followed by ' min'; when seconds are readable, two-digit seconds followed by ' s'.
8 h 34 min 32 s
